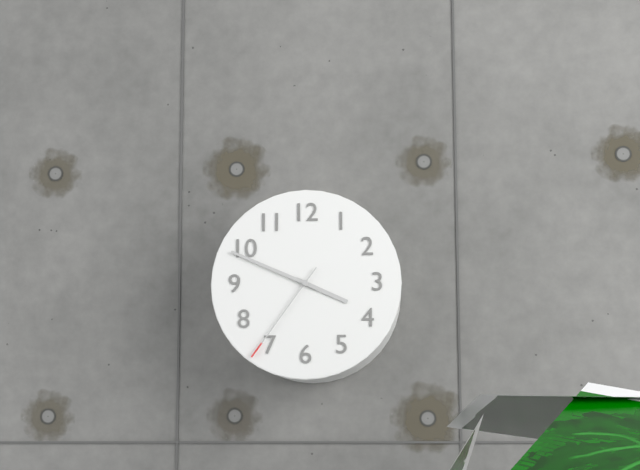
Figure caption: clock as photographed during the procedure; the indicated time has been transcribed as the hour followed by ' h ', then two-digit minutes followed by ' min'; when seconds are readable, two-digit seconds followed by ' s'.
3 h 49 min 36 s
